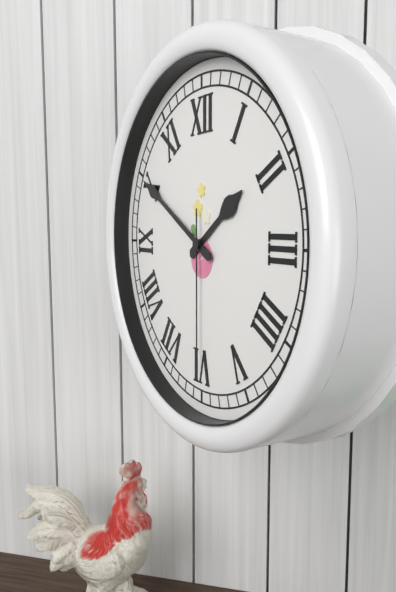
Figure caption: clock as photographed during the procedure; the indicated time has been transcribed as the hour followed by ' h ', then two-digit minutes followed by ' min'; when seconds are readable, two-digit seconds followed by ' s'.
1 h 50 min 30 s
